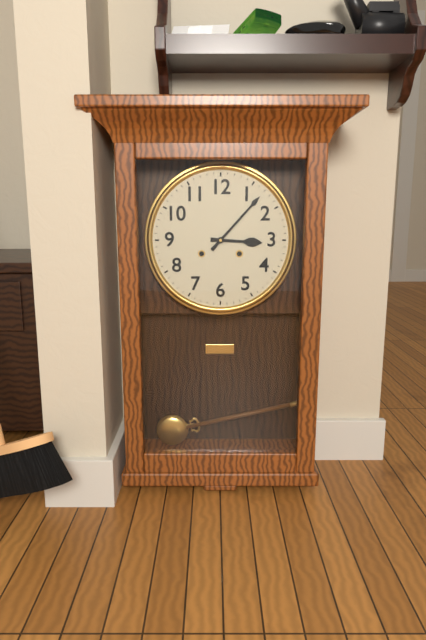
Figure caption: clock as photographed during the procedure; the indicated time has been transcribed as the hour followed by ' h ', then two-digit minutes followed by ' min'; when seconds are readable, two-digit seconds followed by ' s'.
3 h 07 min
